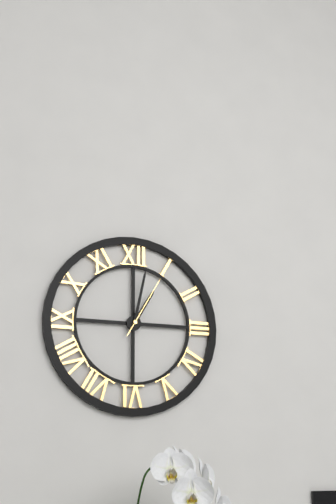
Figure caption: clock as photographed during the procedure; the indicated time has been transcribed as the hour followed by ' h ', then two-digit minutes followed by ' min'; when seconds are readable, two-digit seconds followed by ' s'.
1 h 02 min 05 s
